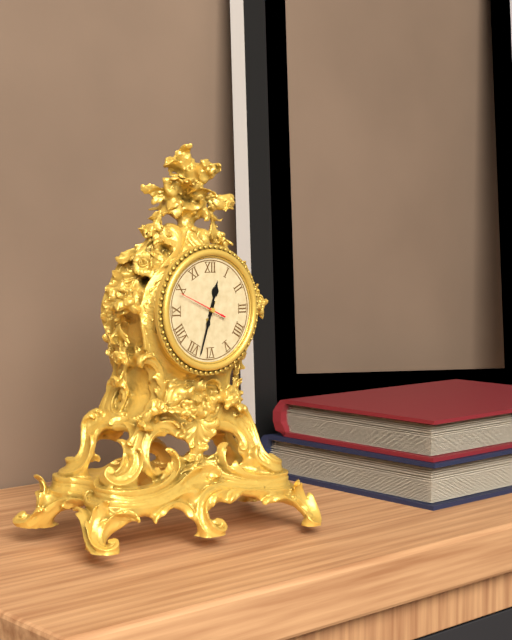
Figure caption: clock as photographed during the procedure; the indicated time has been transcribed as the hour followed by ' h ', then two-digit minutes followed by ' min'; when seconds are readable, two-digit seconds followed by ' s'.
12 h 33 min
